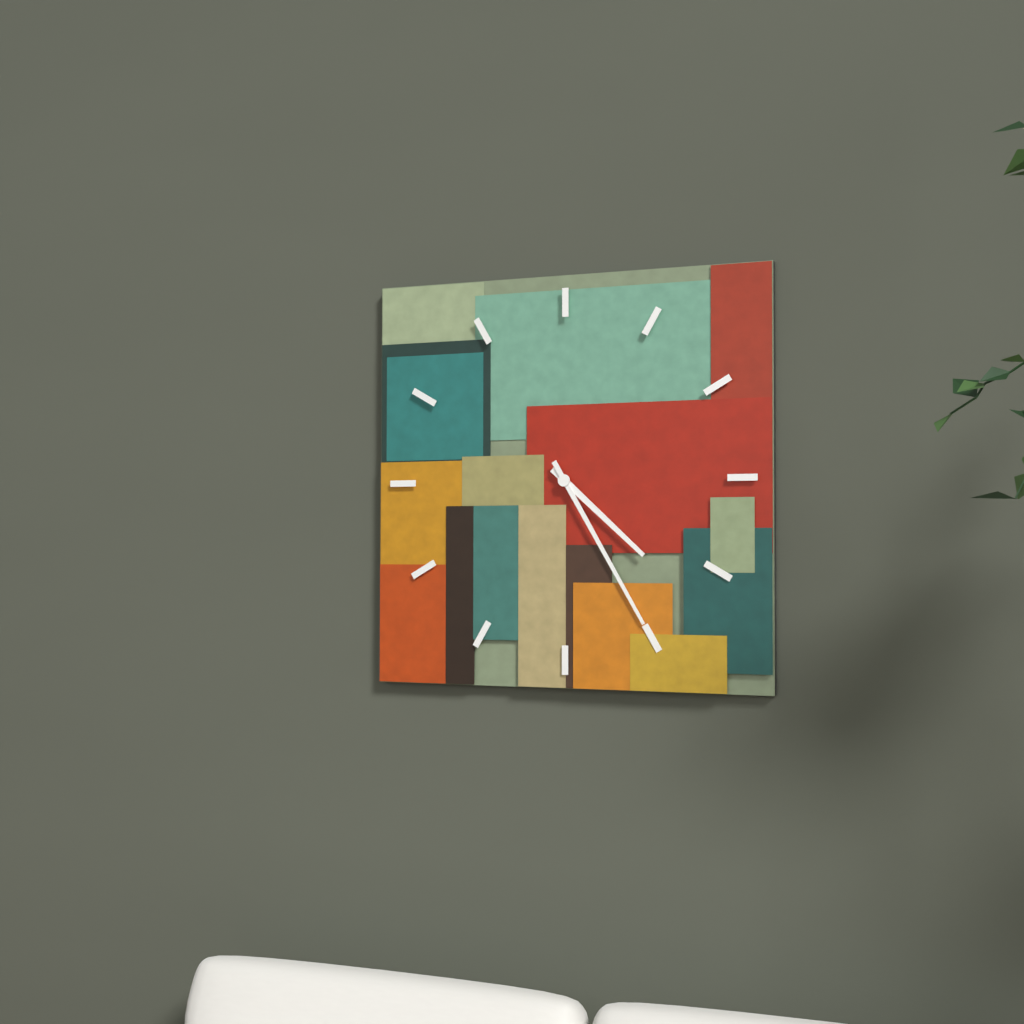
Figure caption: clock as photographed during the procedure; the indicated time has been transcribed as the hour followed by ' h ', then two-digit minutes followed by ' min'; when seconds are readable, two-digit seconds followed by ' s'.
4 h 25 min
